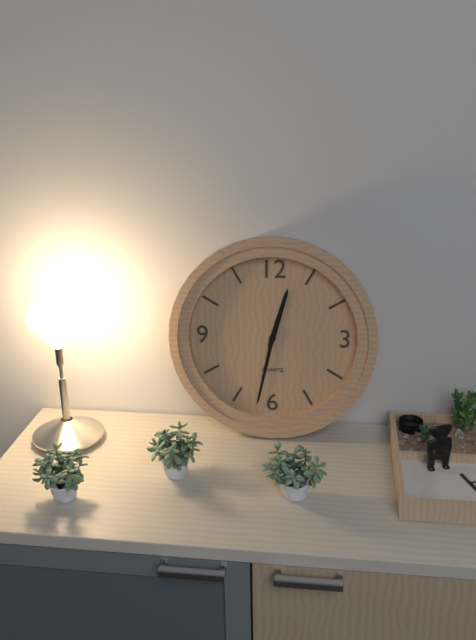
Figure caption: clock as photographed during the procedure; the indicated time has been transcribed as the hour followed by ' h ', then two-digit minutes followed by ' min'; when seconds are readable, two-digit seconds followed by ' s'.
12 h 32 min
